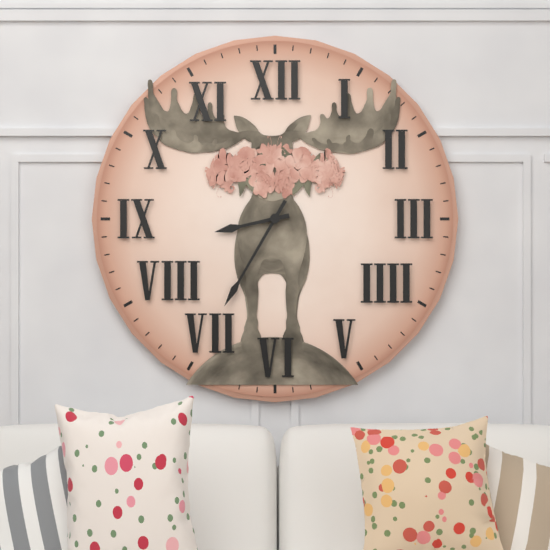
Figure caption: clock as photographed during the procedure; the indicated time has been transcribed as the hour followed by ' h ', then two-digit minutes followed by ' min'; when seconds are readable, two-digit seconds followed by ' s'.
8 h 35 min
